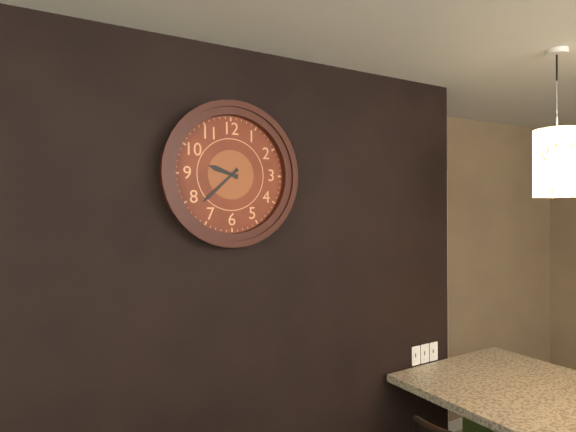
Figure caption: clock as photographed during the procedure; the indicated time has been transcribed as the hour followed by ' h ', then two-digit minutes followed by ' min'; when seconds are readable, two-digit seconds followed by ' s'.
9 h 38 min
